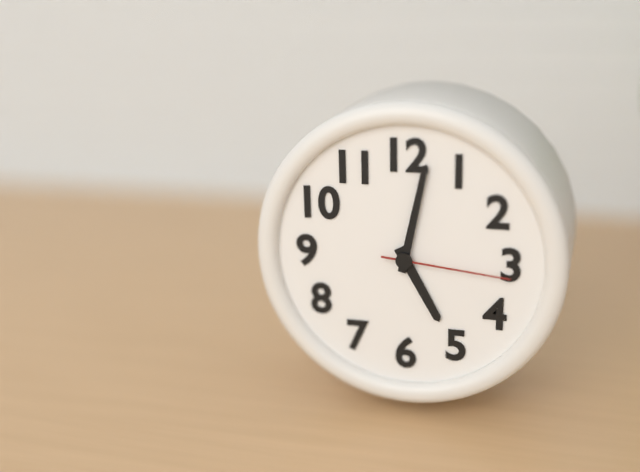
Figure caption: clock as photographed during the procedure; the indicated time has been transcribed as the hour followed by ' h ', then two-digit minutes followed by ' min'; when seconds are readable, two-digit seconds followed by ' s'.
5 h 02 min 16 s
